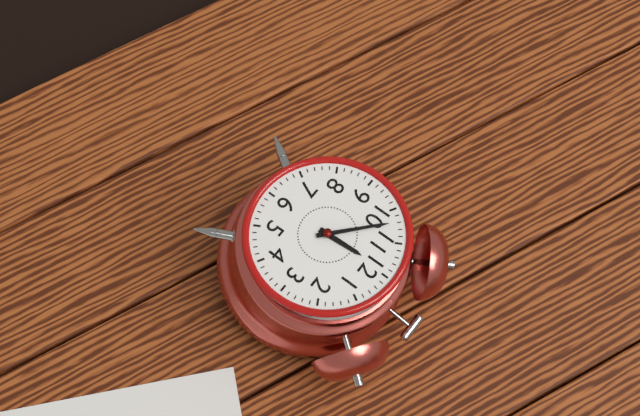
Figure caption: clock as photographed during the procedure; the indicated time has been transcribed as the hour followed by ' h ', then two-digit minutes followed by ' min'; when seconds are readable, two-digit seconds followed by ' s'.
11 h 52 min
